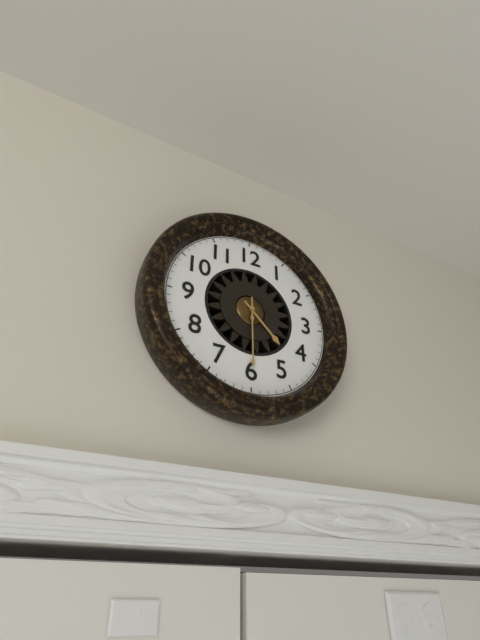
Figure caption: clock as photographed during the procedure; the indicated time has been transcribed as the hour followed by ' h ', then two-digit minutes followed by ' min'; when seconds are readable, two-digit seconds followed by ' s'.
4 h 30 min
